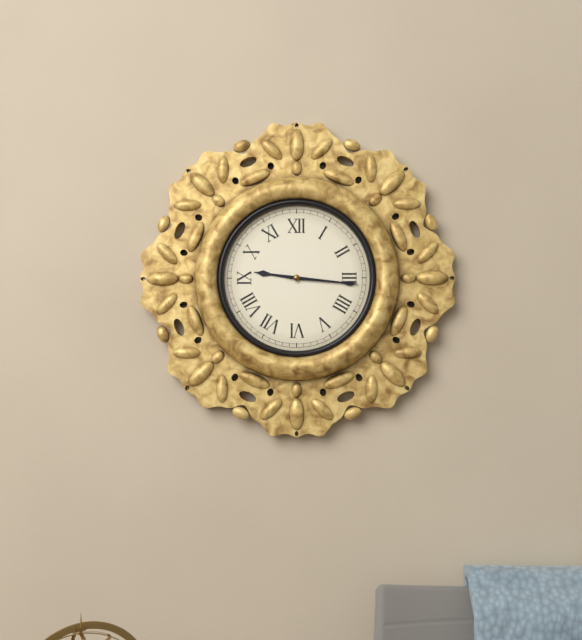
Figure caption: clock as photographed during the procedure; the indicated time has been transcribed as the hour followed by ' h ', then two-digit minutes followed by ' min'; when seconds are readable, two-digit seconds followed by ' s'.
9 h 16 min
